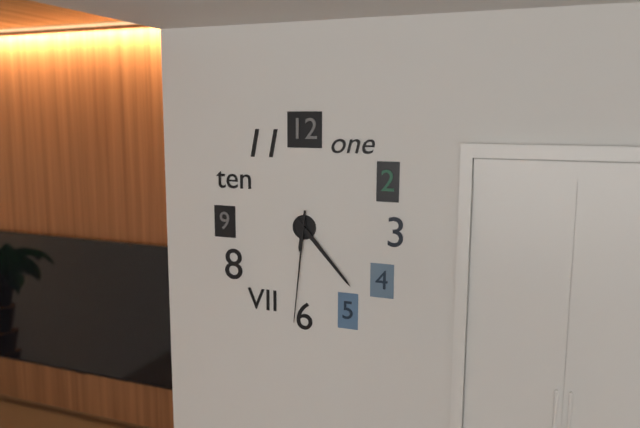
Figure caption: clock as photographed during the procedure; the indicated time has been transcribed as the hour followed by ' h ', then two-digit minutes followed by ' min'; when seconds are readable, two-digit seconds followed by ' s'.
6 h 23 min 31 s
